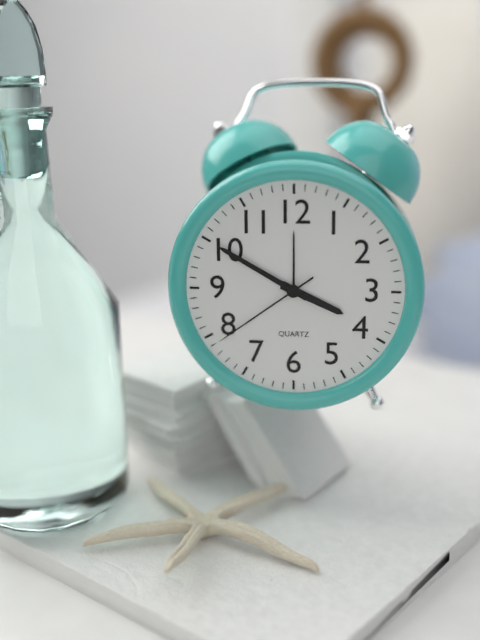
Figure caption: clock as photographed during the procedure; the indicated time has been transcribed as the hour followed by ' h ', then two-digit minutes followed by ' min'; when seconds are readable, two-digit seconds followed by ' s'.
3 h 50 min 39 s
